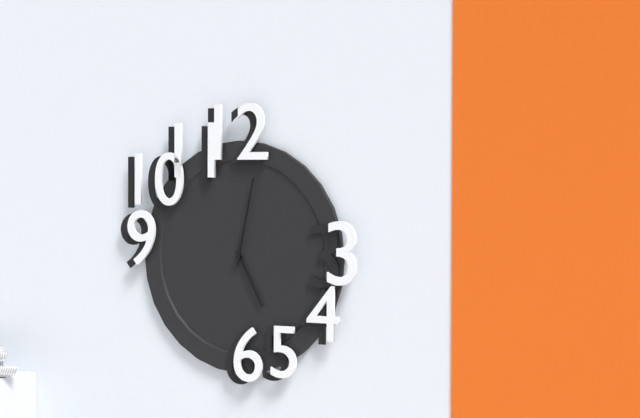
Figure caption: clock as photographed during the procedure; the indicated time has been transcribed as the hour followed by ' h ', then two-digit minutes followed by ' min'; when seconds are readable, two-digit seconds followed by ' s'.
5 h 02 min
